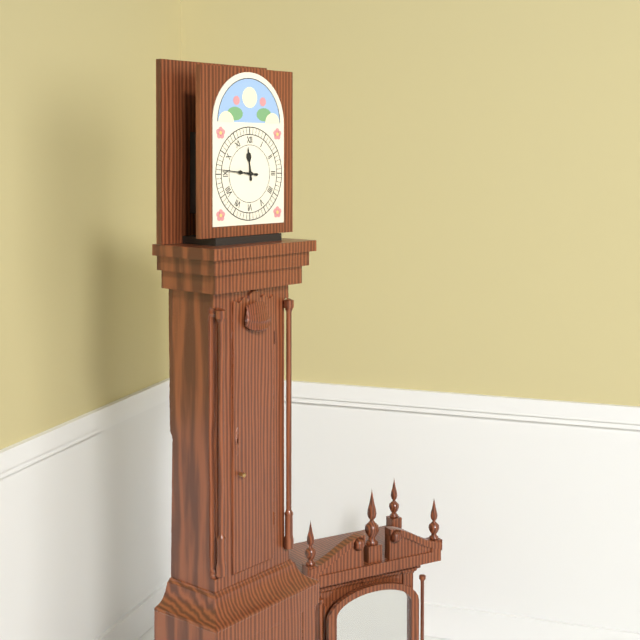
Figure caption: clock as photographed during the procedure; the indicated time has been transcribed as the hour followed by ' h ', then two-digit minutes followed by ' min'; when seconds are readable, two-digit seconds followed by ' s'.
11 h 46 min
